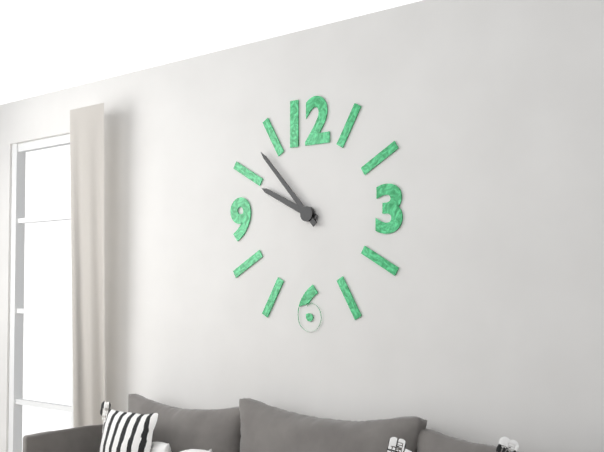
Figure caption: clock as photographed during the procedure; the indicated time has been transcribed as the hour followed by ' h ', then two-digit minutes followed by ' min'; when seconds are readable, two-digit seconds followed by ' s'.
9 h 53 min
